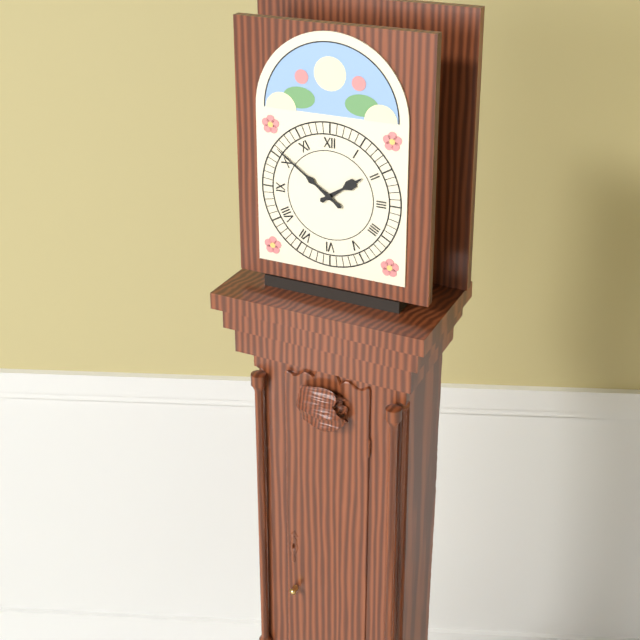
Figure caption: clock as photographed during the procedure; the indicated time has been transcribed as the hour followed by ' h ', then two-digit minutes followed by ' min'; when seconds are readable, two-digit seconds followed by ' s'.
1 h 51 min
